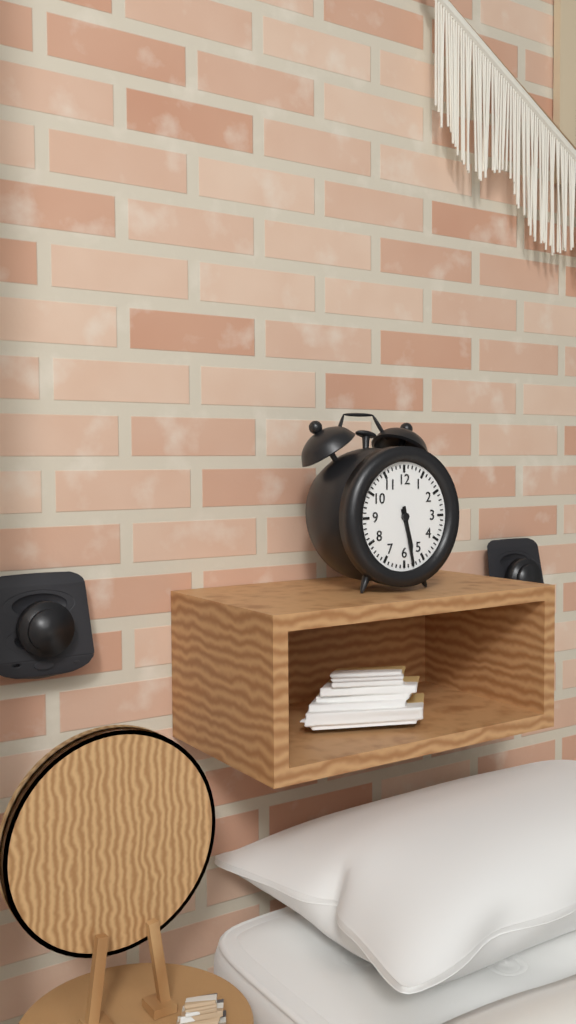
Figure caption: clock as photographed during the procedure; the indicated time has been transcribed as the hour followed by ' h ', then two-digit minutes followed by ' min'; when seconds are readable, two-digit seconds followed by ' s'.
5 h 28 min
